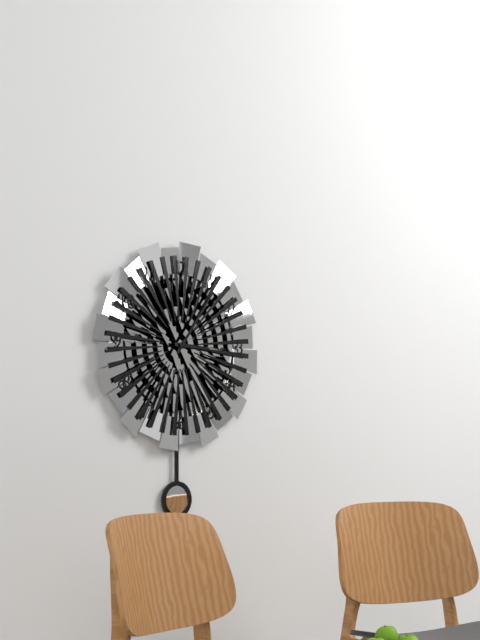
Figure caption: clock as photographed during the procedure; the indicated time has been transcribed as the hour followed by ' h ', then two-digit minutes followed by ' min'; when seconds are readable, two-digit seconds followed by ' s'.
3 h 06 min
